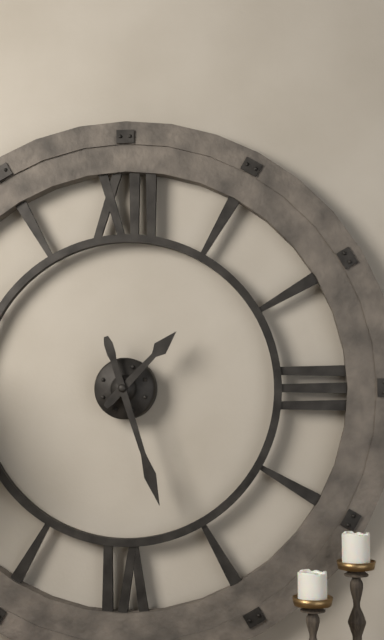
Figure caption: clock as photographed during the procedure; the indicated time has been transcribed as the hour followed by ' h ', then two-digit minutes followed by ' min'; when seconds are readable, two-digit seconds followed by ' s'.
1 h 27 min
